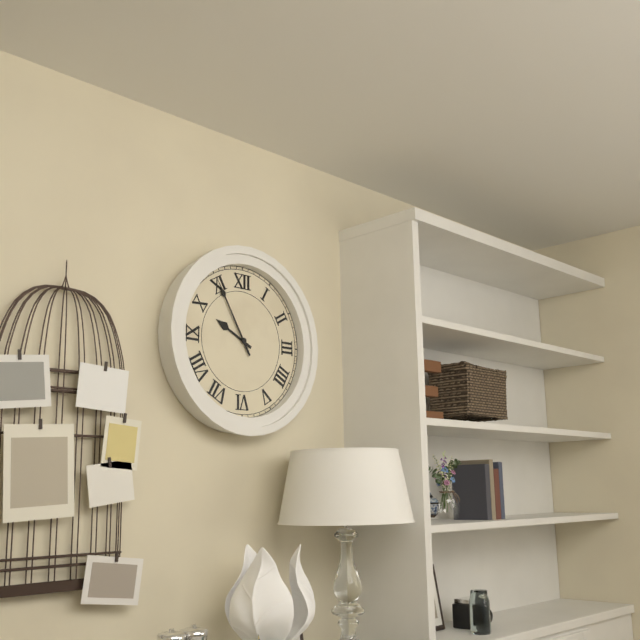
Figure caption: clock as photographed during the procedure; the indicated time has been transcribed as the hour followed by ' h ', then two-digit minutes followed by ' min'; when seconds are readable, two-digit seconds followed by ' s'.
9 h 55 min
